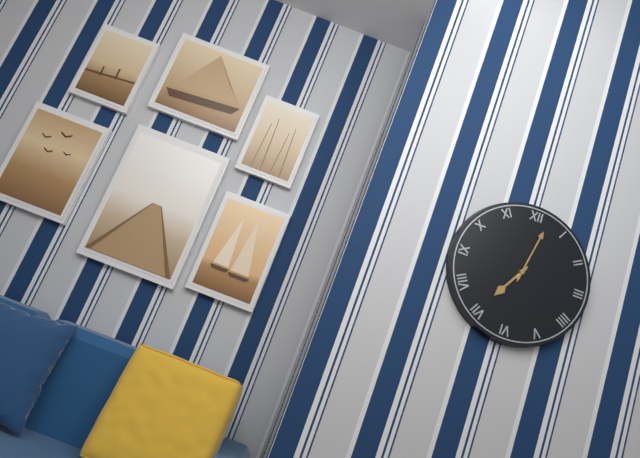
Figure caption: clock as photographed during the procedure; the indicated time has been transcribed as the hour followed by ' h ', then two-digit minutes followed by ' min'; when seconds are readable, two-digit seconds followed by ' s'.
7 h 02 min
